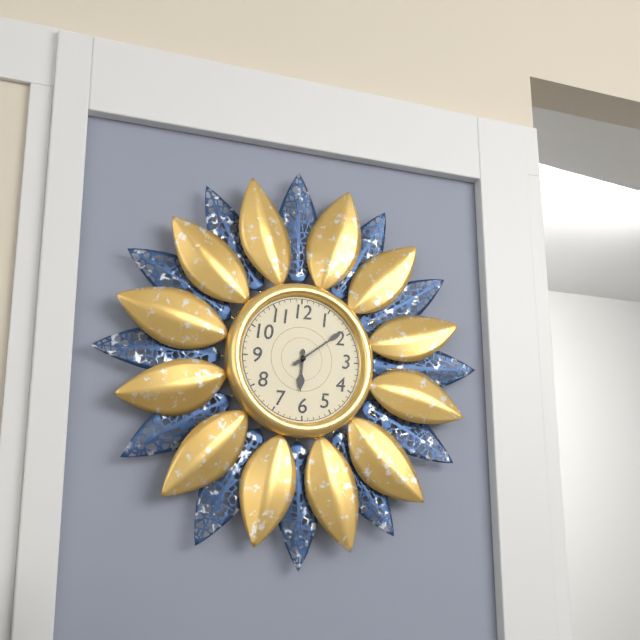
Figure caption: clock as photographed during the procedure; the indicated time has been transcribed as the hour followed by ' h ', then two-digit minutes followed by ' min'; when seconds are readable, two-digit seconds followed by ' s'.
6 h 09 min
